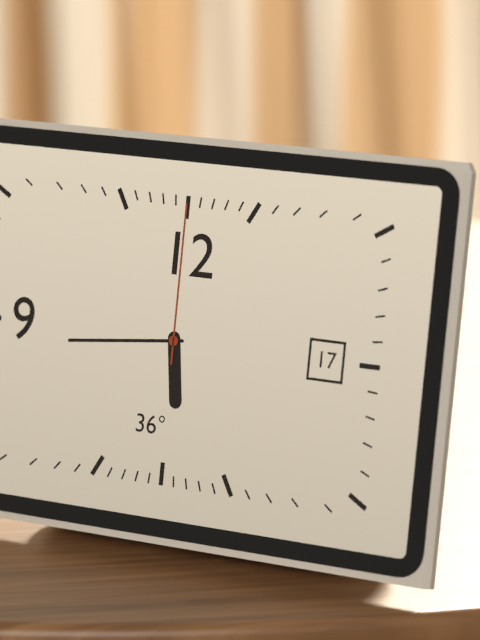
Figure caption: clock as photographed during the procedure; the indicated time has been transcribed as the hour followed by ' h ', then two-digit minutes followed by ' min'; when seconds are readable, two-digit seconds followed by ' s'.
5 h 44 min 00 s
